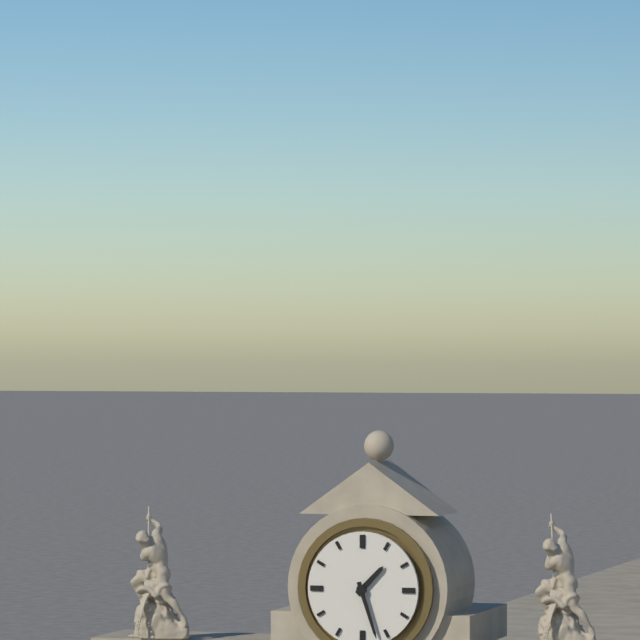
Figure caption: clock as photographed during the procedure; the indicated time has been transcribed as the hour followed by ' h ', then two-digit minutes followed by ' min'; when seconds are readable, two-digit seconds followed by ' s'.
1 h 27 min
